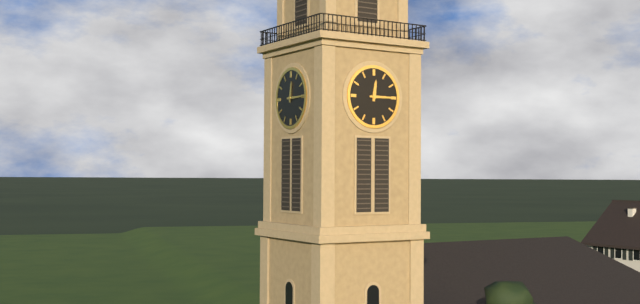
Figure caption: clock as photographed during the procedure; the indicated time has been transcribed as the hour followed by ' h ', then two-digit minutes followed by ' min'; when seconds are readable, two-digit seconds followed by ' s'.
12 h 15 min
